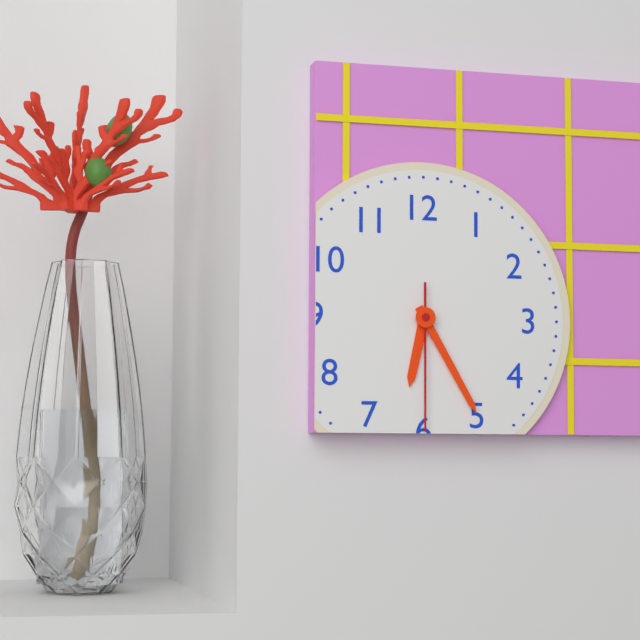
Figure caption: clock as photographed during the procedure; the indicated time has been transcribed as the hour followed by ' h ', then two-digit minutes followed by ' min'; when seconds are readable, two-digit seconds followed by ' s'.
6 h 25 min 30 s
